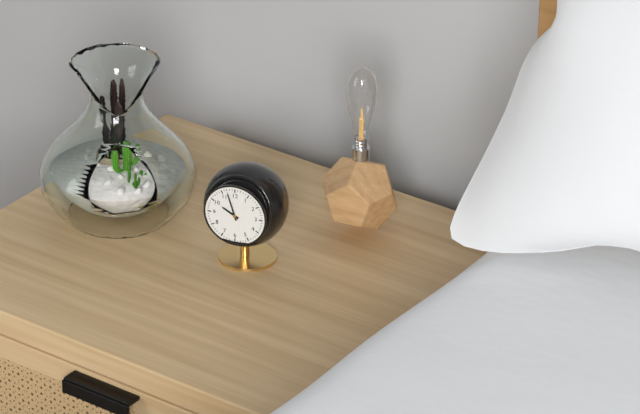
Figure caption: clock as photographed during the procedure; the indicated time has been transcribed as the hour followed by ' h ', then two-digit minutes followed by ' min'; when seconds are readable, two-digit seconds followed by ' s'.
9 h 57 min
